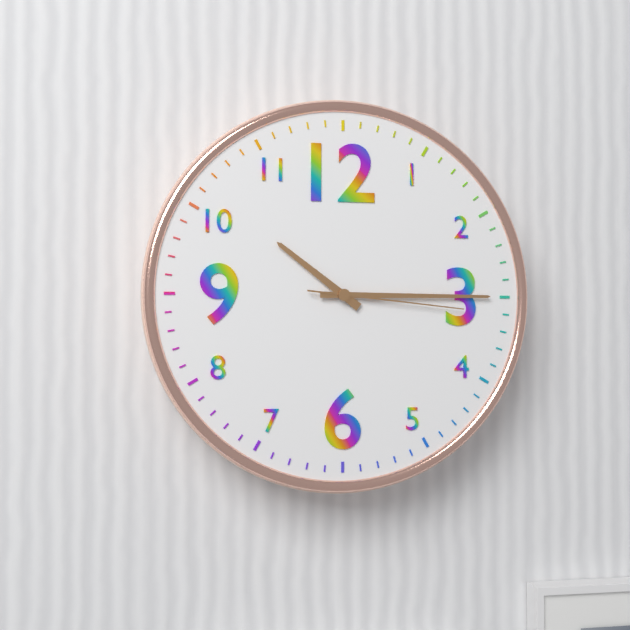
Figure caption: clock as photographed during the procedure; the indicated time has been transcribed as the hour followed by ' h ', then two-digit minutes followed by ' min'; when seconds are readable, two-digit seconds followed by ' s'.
10 h 15 min 16 s
